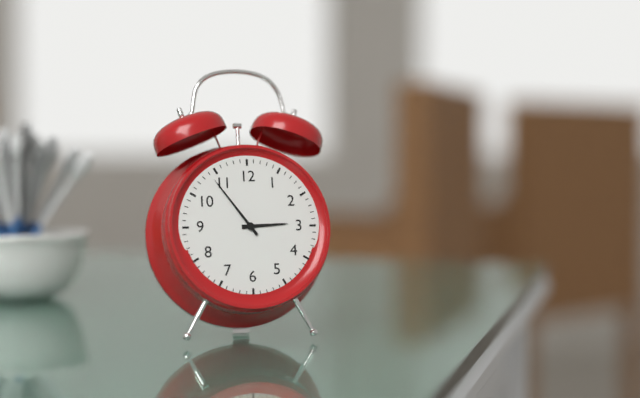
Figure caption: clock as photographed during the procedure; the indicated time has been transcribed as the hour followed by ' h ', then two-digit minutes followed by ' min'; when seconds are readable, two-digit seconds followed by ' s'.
2 h 54 min
